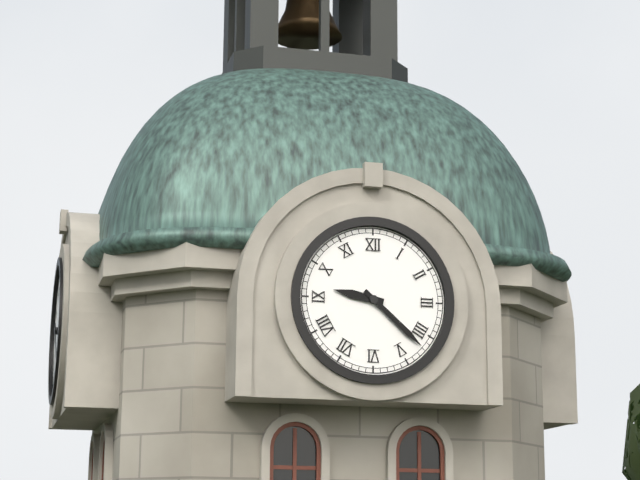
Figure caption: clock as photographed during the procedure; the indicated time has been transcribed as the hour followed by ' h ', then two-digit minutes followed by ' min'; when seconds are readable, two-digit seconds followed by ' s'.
9 h 22 min
